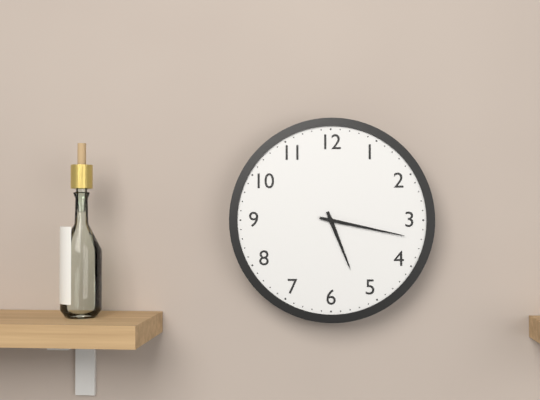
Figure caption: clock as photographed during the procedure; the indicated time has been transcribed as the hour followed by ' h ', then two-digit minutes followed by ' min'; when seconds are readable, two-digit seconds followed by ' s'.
5 h 17 min
